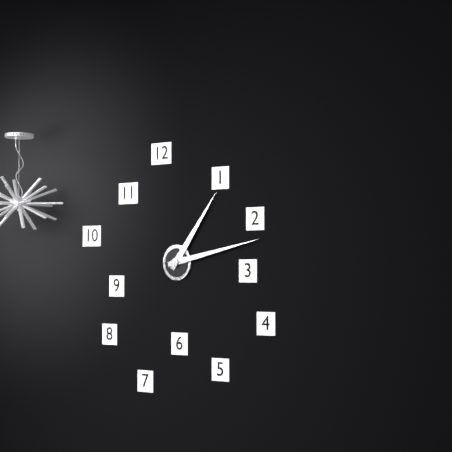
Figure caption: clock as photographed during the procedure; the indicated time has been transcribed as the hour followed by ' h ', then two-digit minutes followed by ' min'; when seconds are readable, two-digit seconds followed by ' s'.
1 h 13 min
